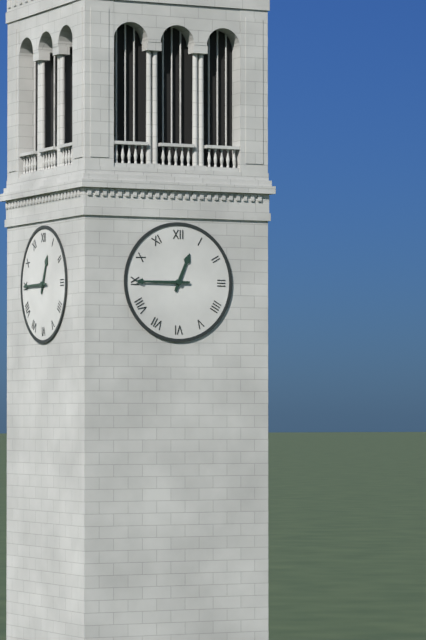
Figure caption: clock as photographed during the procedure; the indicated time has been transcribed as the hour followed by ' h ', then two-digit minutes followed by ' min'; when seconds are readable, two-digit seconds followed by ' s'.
12 h 45 min
